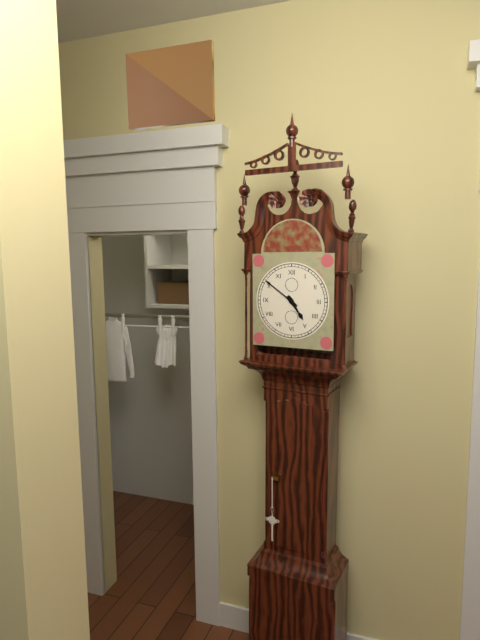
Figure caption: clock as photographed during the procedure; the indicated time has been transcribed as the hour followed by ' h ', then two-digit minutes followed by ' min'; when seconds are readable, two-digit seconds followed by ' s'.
4 h 51 min
